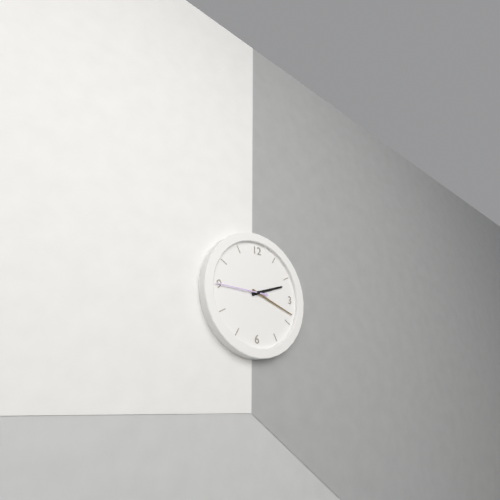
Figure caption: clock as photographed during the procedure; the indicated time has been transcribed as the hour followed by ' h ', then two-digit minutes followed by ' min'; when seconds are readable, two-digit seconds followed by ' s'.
2 h 18 min 45 s
